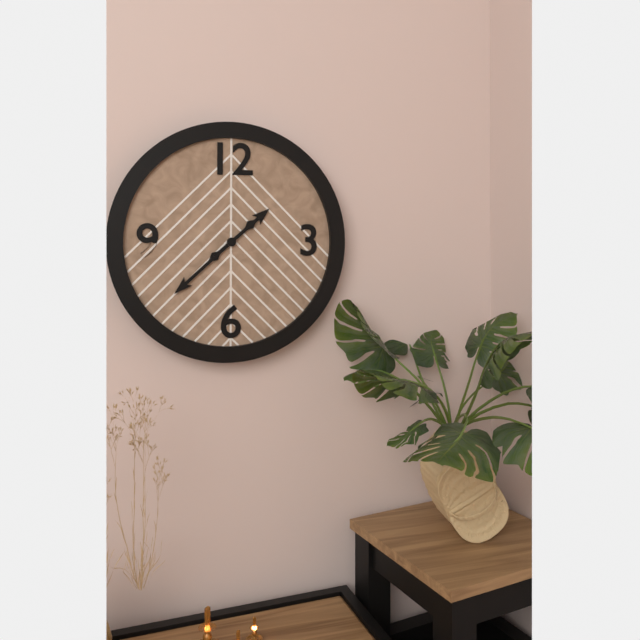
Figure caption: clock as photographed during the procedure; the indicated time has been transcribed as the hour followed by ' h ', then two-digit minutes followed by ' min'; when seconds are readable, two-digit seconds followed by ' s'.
1 h 38 min
